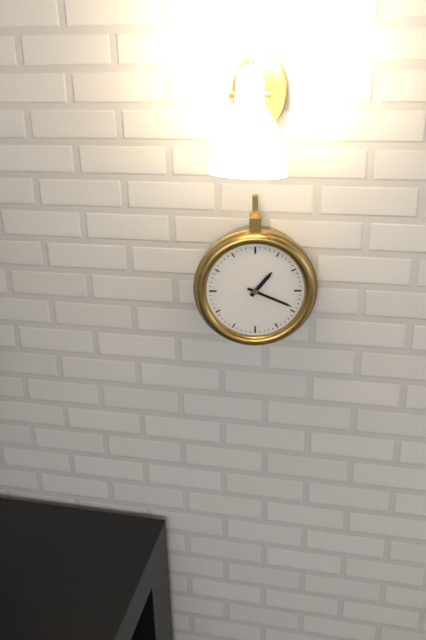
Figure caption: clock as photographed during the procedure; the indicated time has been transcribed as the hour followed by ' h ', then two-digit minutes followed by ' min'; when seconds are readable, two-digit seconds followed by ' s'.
1 h 19 min
